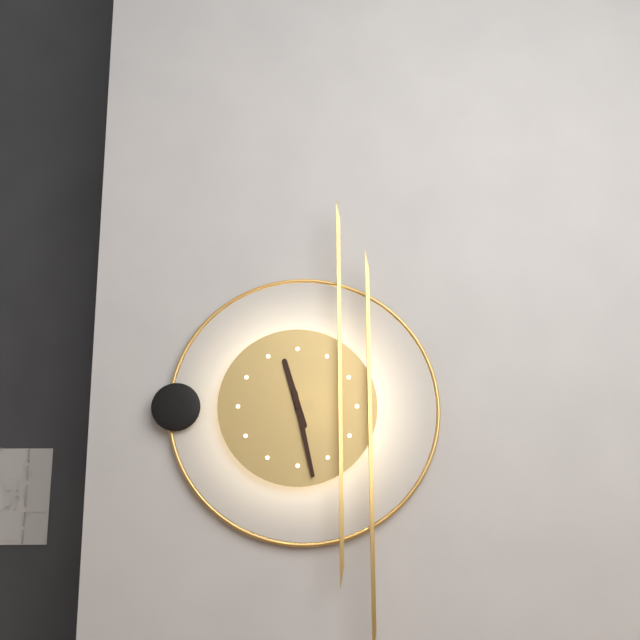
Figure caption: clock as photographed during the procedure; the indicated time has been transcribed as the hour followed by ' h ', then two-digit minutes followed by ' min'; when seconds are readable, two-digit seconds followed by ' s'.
11 h 28 min
